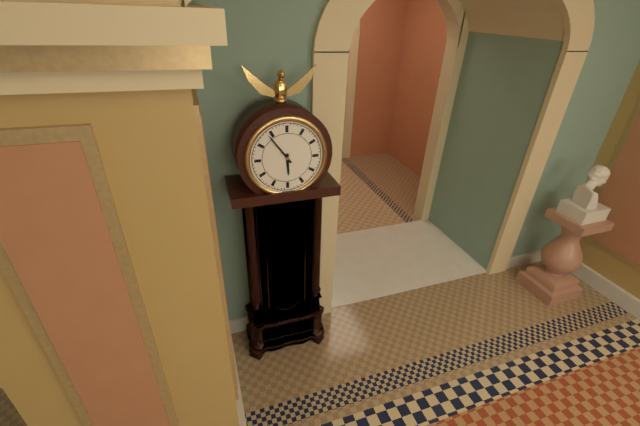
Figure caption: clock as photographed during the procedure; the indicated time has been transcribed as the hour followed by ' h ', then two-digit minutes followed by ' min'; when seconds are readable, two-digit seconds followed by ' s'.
5 h 54 min
